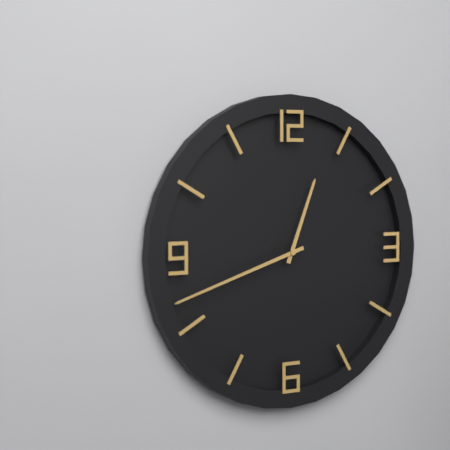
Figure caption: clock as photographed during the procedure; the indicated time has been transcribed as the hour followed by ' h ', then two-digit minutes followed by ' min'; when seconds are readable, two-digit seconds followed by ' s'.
12 h 42 min
